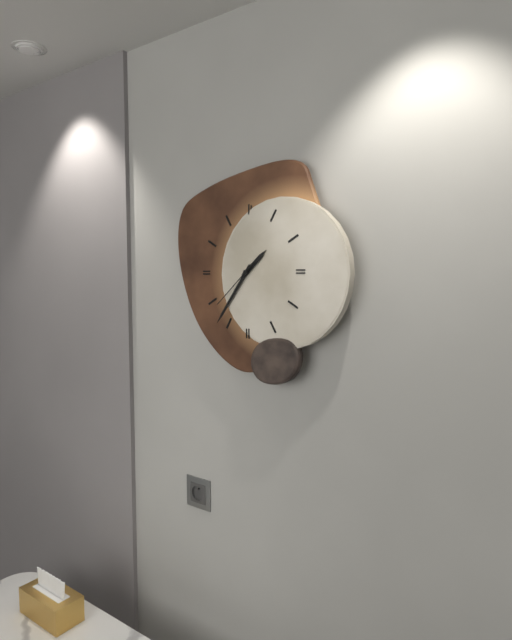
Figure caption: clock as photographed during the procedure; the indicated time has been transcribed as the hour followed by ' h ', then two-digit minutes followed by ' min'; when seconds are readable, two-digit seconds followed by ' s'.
1 h 36 min 38 s
